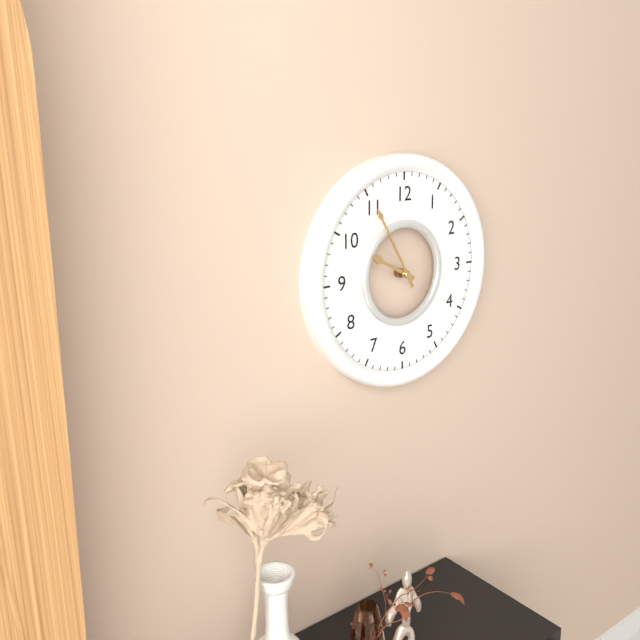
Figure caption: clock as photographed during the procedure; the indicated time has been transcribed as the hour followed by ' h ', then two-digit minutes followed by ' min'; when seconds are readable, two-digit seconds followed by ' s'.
9 h 55 min
